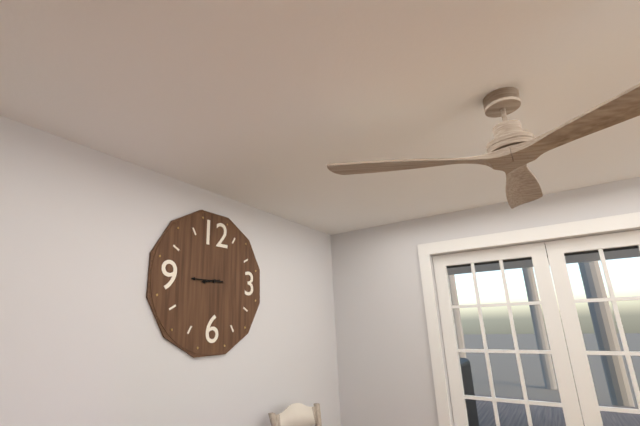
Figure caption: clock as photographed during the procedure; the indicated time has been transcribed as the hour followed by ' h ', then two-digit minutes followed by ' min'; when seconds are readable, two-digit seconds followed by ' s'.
8 h 45 min
